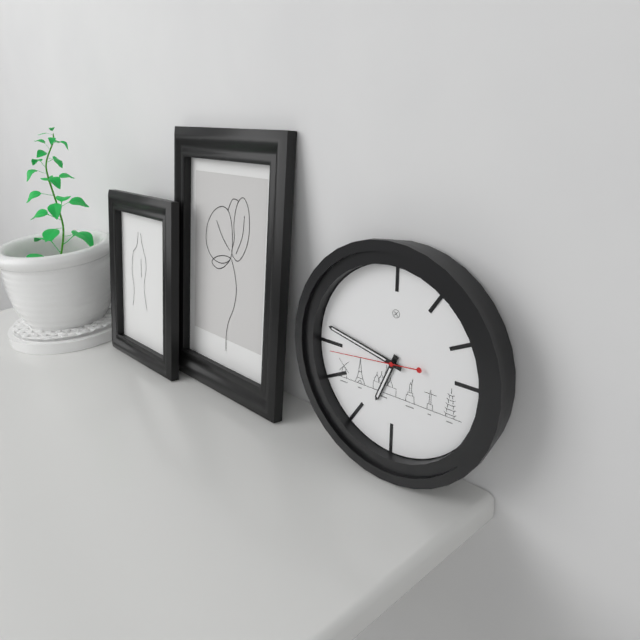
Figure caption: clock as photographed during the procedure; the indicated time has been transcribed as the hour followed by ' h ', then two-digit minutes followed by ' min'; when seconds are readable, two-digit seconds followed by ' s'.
6 h 47 min 44 s
